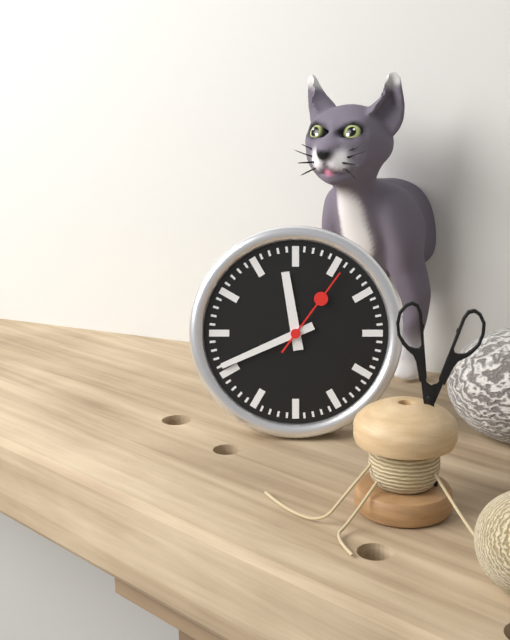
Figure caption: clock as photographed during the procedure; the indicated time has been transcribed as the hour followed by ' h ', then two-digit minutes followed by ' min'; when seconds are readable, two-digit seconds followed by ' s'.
11 h 41 min 06 s
